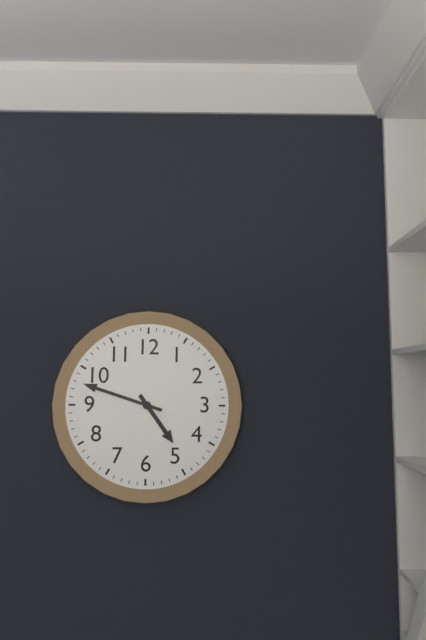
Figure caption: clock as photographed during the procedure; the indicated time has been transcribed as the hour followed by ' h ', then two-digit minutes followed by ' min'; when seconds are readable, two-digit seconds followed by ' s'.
4 h 48 min
